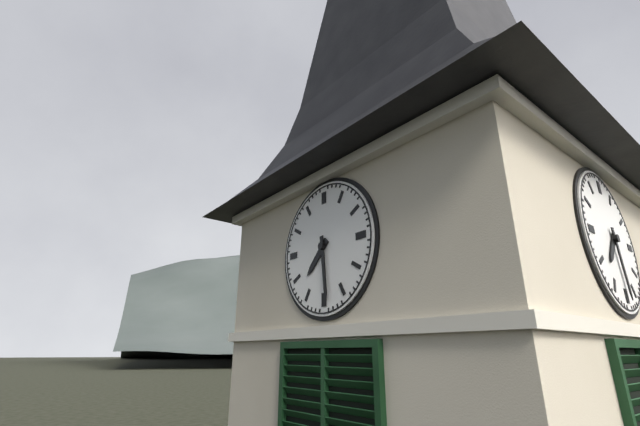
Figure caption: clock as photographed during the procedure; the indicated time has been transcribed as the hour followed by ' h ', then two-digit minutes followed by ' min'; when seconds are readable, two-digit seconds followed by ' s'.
7 h 29 min
